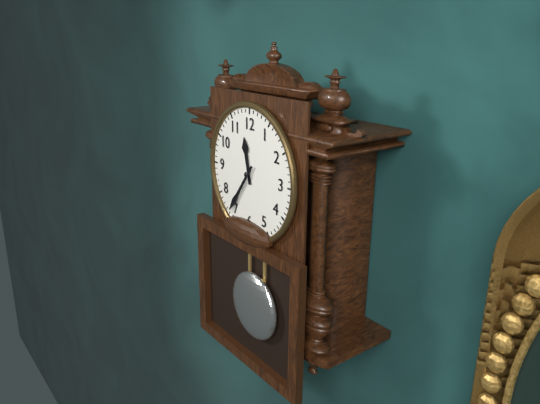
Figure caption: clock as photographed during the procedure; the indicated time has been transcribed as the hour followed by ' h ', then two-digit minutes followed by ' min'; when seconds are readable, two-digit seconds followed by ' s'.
11 h 36 min
